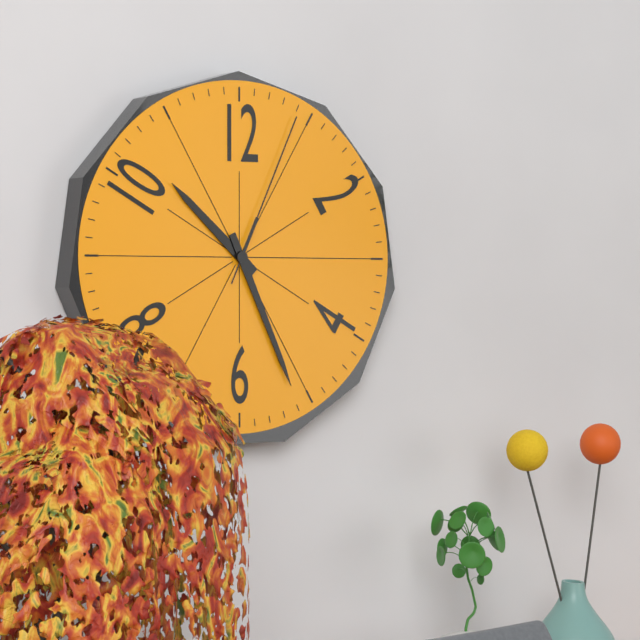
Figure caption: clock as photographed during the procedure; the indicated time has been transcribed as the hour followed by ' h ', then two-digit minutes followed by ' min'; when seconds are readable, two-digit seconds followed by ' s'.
10 h 26 min 04 s
